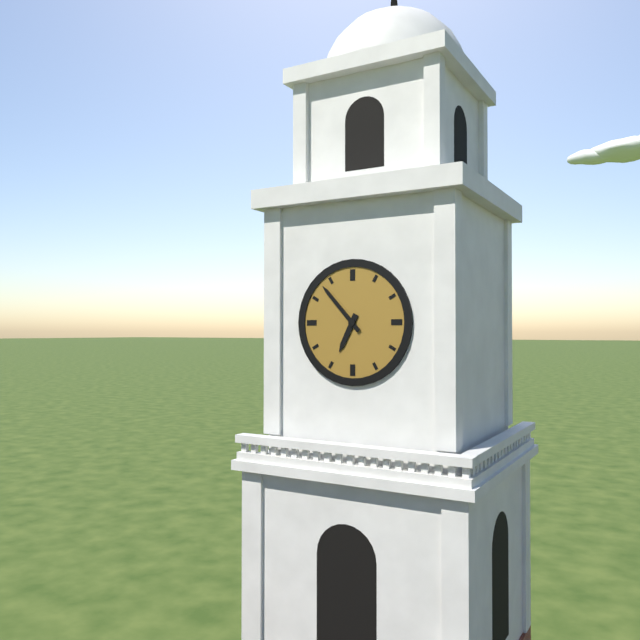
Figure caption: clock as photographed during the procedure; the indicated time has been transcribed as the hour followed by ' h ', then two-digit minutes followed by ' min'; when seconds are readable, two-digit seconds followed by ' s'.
6 h 53 min
